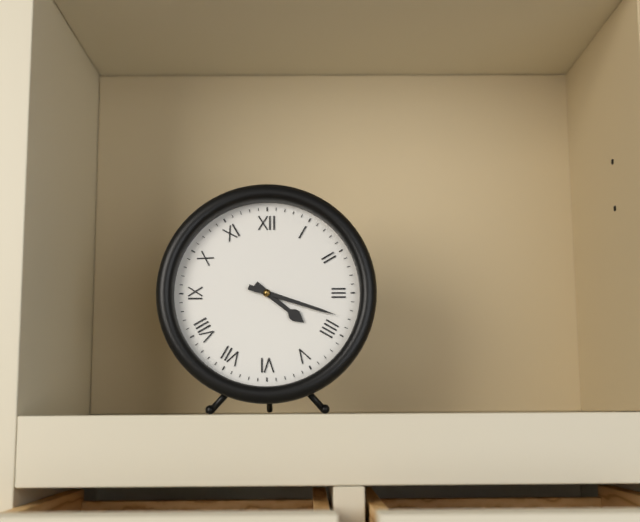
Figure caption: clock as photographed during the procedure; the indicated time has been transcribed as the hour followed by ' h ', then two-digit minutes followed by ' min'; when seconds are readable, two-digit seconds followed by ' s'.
4 h 18 min
